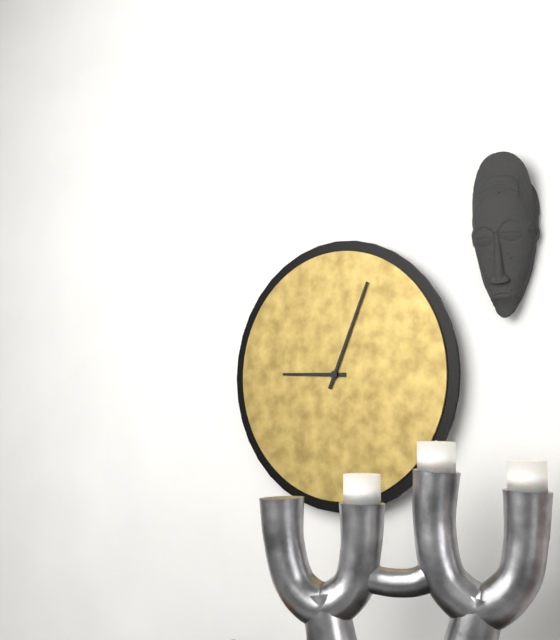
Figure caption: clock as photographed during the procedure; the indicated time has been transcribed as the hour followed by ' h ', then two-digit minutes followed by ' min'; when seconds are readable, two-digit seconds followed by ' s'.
9 h 04 min
